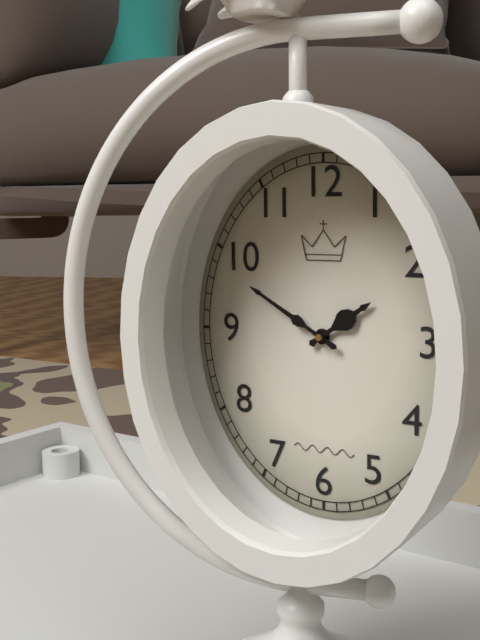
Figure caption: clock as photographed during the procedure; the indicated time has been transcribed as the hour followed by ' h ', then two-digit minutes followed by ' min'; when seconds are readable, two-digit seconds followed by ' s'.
1 h 50 min
